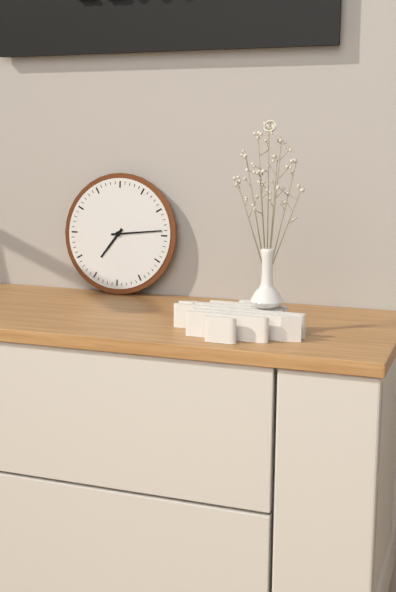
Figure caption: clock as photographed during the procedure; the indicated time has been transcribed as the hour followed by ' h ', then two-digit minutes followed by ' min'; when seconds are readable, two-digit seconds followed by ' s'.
7 h 14 min
